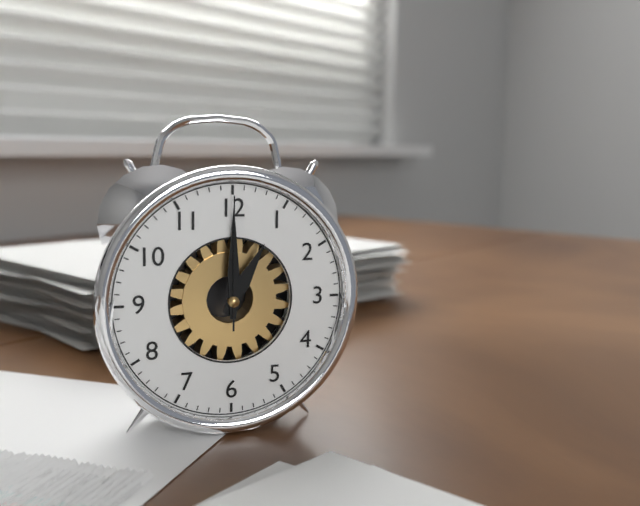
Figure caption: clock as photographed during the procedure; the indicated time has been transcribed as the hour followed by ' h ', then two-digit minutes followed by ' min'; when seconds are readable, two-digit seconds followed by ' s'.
1 h 00 min 00 s
